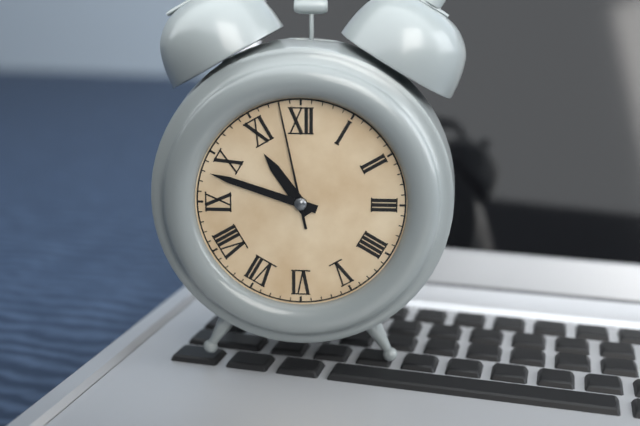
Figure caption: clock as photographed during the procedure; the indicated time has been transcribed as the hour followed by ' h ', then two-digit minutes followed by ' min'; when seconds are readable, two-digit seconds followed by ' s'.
10 h 48 min 58 s
